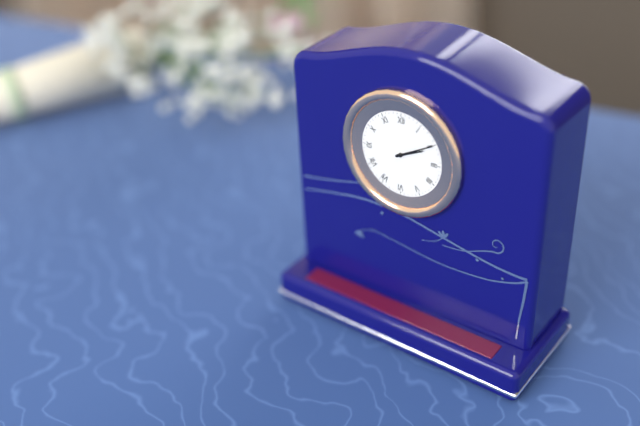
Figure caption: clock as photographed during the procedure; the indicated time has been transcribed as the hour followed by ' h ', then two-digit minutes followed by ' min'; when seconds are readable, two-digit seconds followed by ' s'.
2 h 10 min
